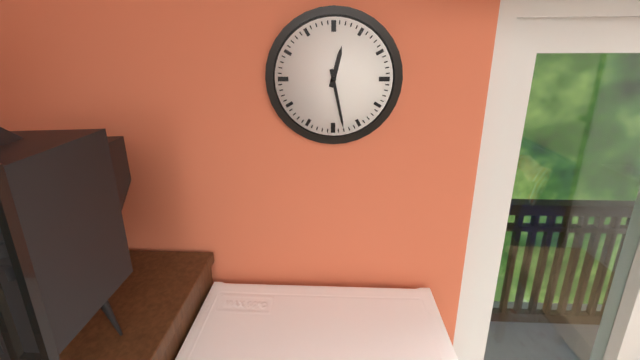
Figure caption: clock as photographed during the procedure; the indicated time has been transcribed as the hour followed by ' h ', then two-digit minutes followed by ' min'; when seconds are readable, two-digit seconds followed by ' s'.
12 h 28 min
